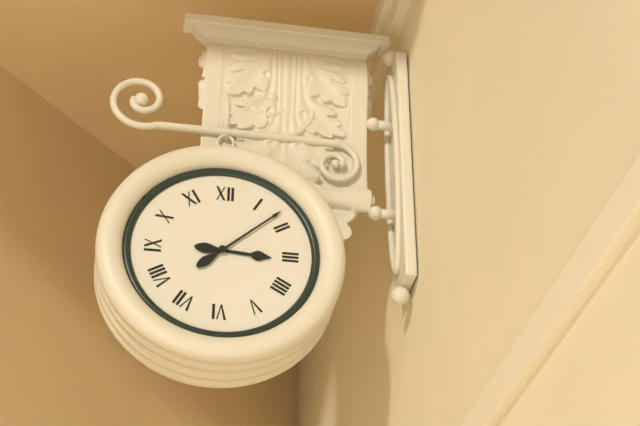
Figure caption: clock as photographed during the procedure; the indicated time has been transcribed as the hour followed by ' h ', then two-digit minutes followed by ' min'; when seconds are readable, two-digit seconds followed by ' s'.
3 h 08 min
